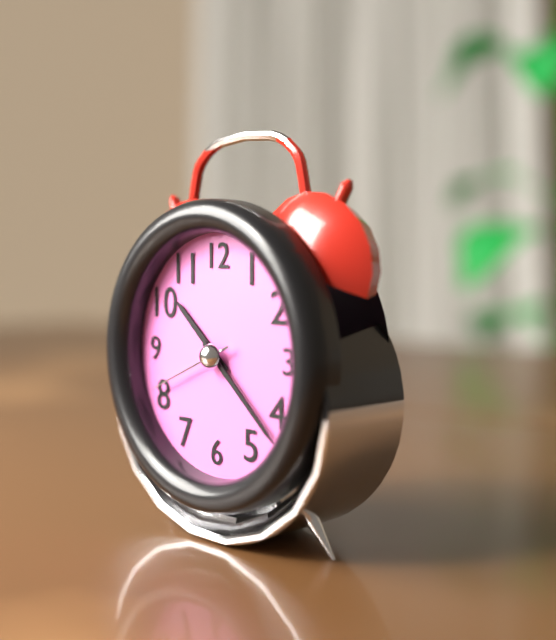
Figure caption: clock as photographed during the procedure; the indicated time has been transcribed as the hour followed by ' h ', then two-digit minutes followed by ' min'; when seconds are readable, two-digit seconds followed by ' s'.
10 h 22 min 41 s
